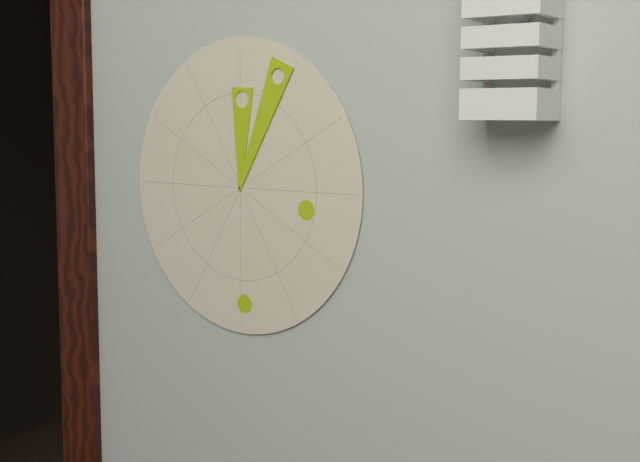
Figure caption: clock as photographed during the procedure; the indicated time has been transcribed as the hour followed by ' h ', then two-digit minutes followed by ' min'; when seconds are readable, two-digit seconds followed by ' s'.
12 h 04 min
